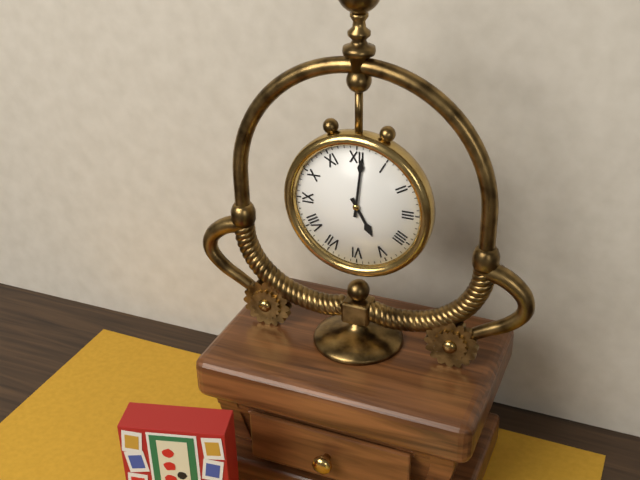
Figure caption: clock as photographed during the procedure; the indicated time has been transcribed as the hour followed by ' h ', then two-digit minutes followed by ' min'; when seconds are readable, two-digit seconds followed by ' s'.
5 h 01 min
